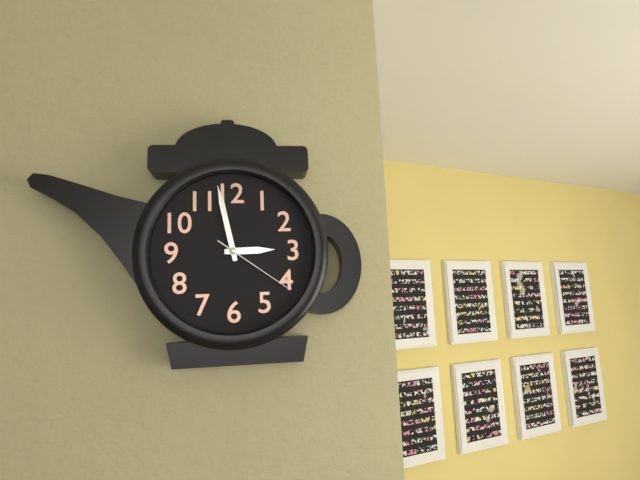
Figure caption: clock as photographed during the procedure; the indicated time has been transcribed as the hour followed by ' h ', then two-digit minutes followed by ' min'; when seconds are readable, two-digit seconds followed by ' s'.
2 h 58 min 21 s
